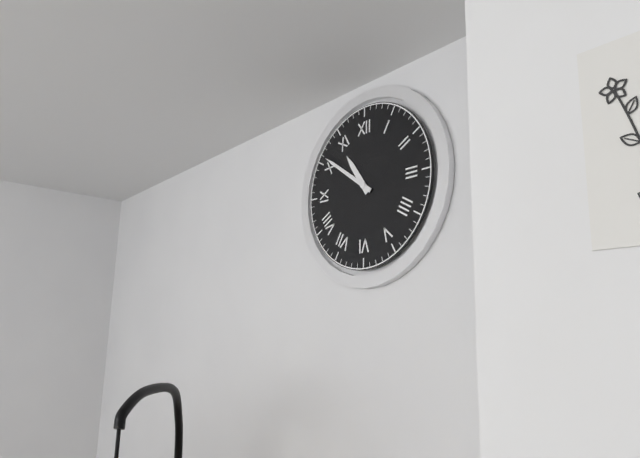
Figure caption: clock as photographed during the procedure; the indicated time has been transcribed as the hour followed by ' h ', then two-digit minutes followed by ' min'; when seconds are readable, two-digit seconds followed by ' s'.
10 h 51 min
